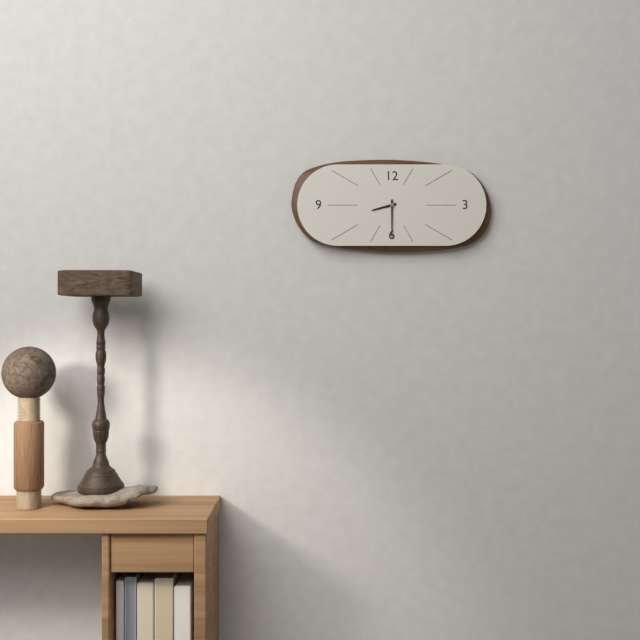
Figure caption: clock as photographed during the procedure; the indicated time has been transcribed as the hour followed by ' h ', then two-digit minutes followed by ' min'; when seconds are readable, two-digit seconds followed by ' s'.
8 h 30 min
